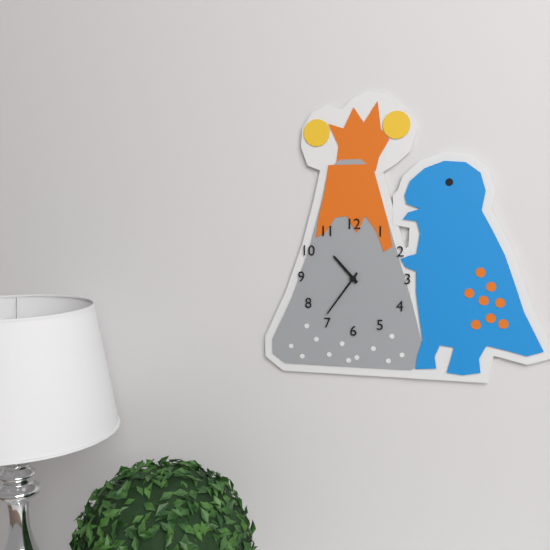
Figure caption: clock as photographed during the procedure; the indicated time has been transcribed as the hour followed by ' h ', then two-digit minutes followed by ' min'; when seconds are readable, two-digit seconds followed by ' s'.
10 h 36 min
